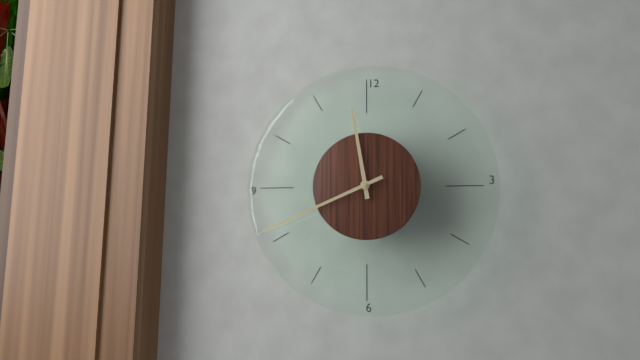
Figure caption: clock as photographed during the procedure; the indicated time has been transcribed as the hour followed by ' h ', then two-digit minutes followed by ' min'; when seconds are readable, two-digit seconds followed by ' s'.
11 h 41 min
